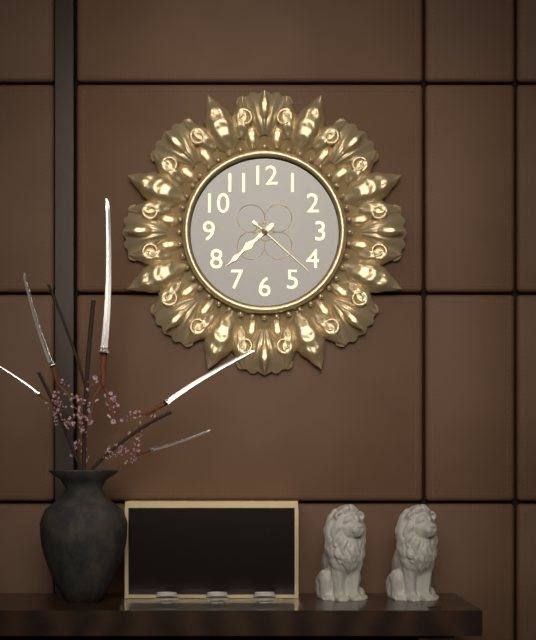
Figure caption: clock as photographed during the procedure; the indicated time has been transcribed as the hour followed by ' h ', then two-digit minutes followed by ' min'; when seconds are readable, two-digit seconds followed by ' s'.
7 h 38 min 22 s
